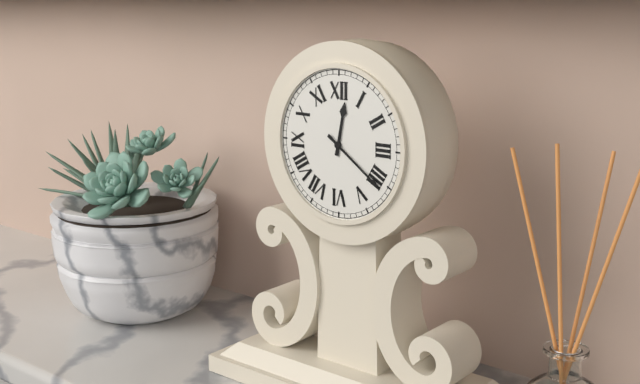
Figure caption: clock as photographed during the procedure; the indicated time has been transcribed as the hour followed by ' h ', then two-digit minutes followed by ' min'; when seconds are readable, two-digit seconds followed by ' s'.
12 h 21 min
